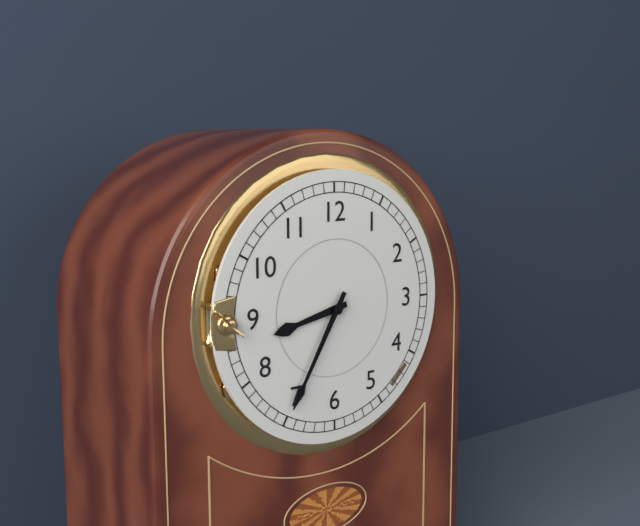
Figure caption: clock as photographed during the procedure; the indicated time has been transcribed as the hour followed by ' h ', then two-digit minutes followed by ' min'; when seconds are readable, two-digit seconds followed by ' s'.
8 h 35 min
